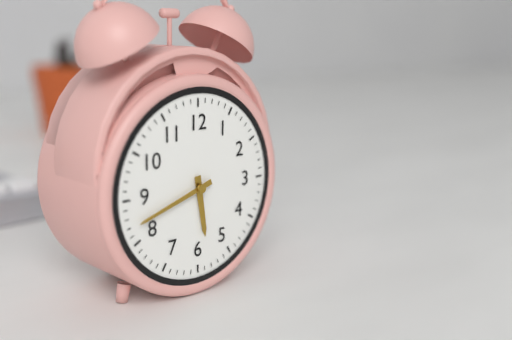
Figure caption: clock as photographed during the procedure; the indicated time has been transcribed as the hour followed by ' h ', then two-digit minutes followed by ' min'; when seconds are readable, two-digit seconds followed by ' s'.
5 h 42 min
